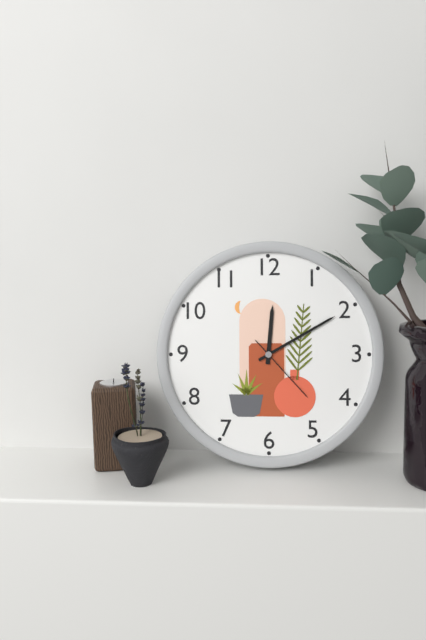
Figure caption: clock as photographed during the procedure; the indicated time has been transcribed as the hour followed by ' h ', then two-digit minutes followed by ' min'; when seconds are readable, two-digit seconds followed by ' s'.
12 h 10 min 23 s
